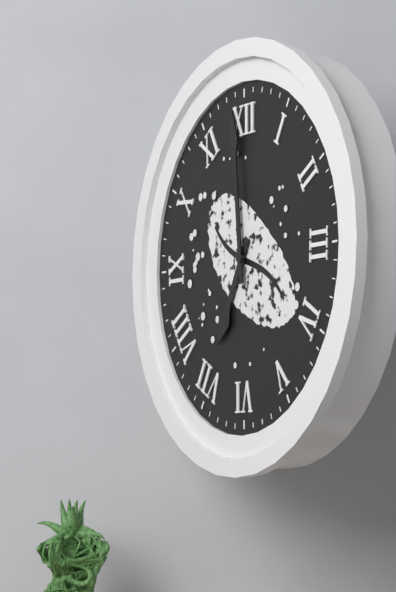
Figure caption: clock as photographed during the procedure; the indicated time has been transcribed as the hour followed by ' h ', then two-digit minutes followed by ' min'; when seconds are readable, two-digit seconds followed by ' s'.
6 h 59 min
